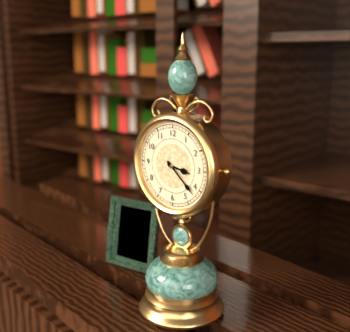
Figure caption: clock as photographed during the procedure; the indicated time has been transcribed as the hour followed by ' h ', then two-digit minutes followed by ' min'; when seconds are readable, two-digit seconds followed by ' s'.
3 h 22 min
